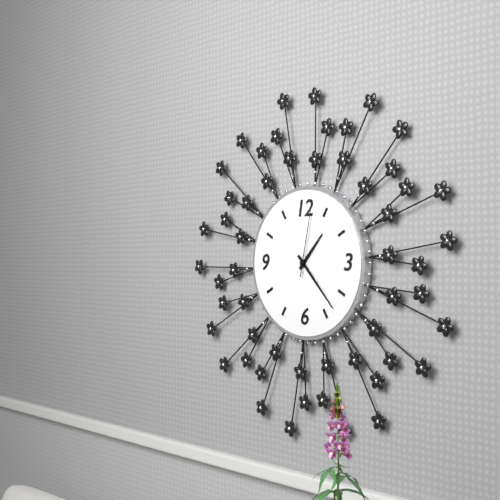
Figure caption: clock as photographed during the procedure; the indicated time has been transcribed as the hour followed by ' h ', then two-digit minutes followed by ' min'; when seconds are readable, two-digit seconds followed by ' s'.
1 h 23 min 02 s
